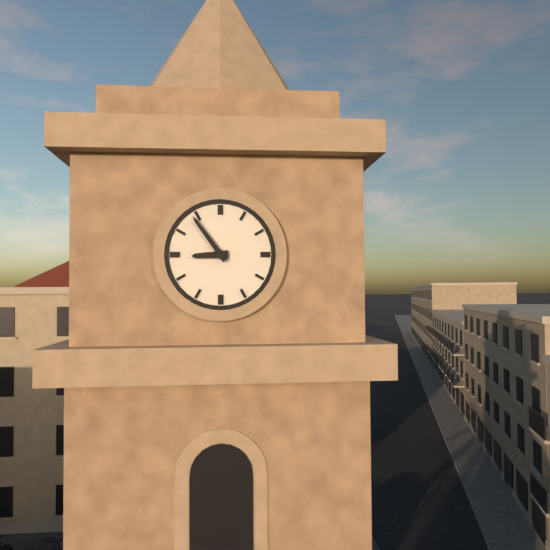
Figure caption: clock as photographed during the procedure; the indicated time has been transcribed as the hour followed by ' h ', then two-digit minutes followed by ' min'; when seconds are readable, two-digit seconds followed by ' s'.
8 h 54 min
